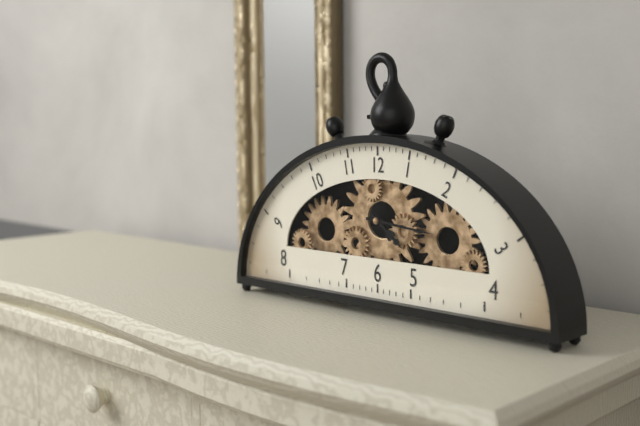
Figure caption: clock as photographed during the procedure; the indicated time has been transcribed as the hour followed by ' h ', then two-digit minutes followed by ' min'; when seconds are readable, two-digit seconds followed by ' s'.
4 h 16 min
